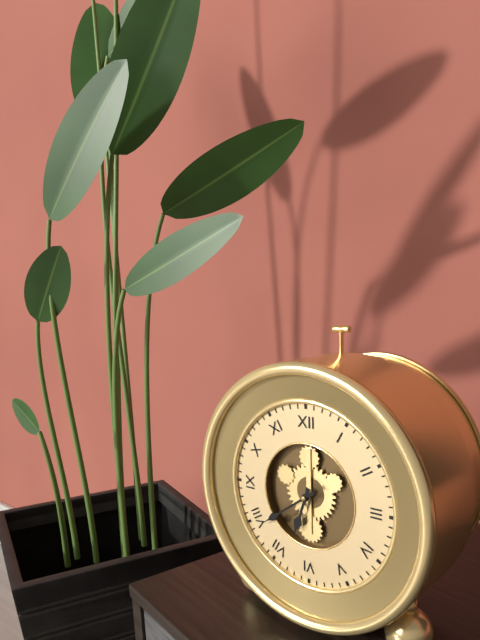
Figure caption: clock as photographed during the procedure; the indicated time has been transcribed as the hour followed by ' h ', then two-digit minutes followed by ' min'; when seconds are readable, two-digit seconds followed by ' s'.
6 h 39 min
